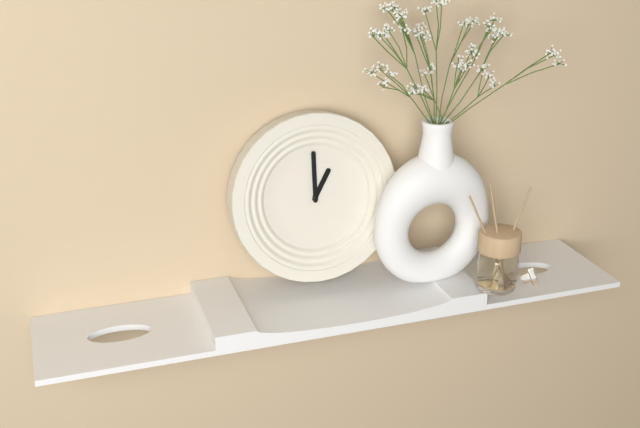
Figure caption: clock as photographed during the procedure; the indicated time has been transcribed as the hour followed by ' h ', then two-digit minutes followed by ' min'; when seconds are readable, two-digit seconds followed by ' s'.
1 h 00 min
